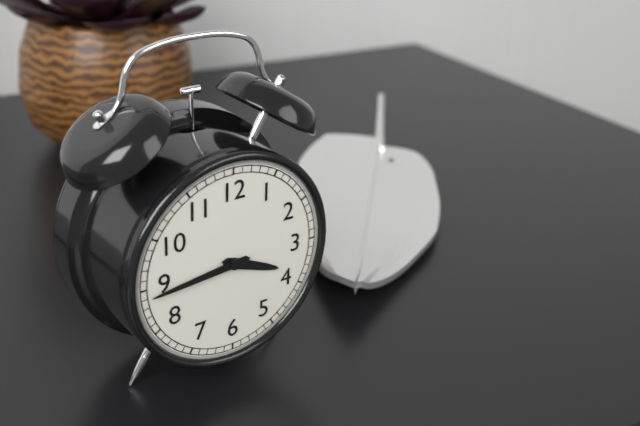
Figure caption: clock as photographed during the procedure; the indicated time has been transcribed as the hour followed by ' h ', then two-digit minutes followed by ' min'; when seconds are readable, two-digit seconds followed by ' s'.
3 h 44 min
